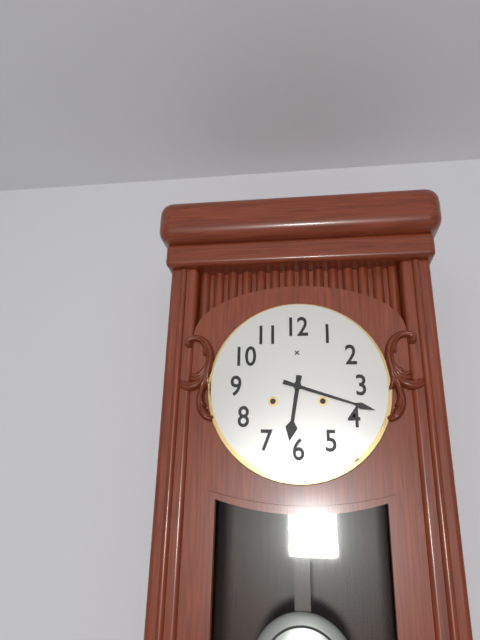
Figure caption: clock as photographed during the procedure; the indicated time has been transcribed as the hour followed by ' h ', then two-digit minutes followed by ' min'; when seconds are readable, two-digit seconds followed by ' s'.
6 h 18 min
